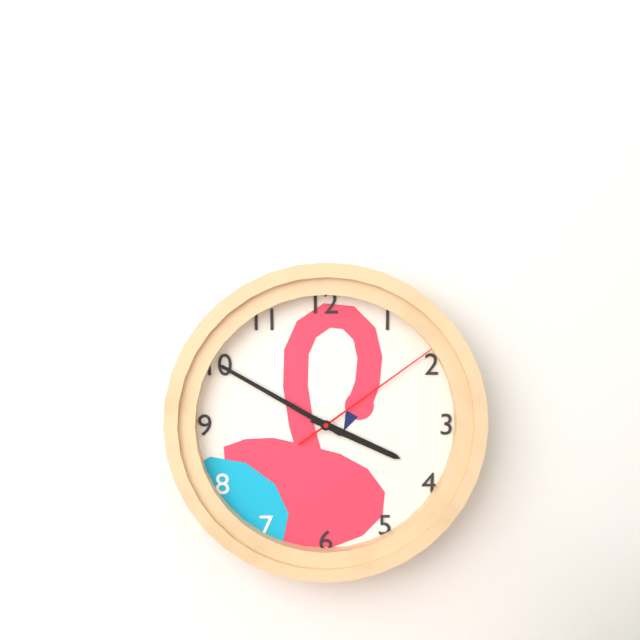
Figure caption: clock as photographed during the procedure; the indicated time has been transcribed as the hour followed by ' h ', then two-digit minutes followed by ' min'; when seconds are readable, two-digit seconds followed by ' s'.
3 h 50 min 09 s
